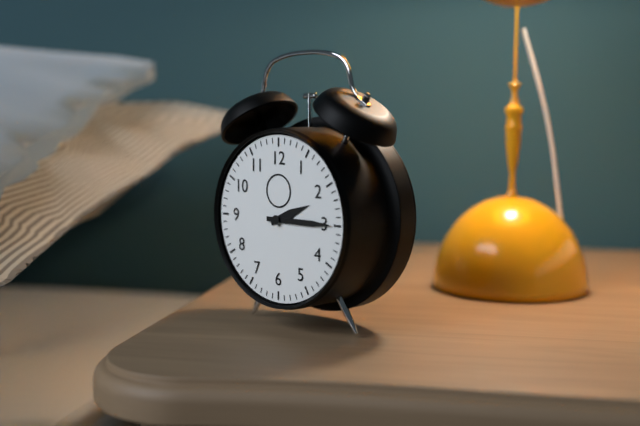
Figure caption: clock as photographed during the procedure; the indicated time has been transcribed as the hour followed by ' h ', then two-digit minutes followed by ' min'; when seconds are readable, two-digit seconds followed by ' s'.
2 h 15 min
